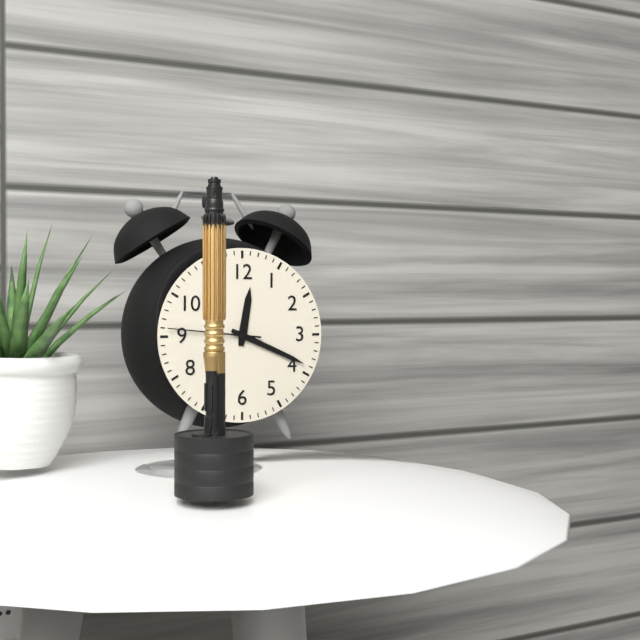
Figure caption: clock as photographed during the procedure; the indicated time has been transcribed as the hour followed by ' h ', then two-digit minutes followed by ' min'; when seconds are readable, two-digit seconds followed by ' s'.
12 h 19 min 46 s
